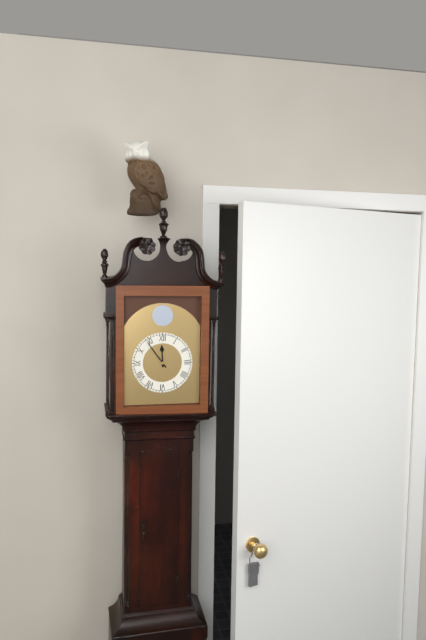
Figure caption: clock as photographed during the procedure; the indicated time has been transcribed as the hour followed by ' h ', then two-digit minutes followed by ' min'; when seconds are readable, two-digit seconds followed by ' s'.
11 h 54 min
